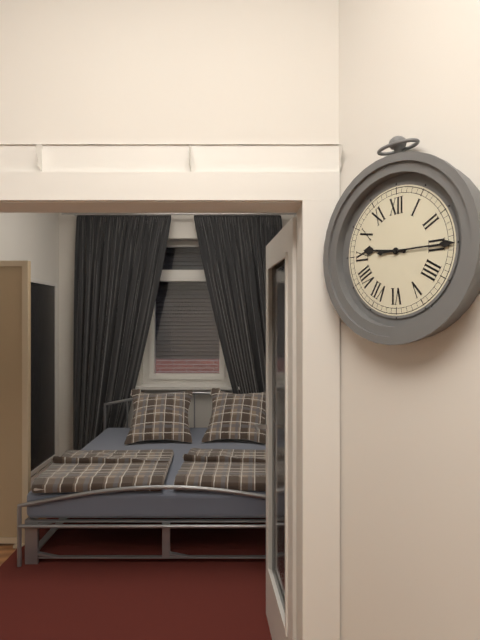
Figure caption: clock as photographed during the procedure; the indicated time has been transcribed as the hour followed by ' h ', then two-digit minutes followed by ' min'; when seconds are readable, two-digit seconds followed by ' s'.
9 h 15 min
